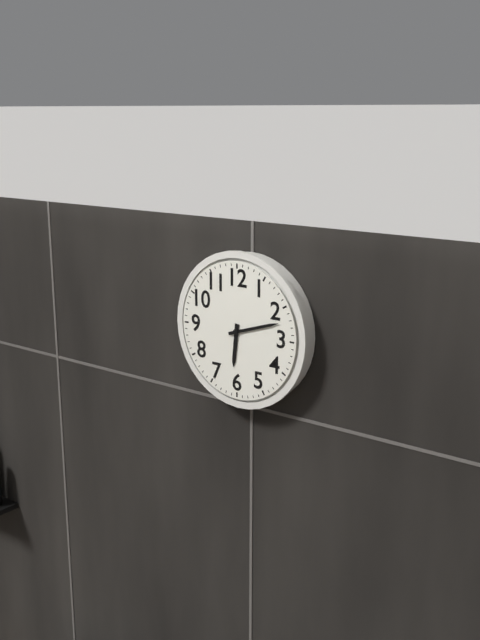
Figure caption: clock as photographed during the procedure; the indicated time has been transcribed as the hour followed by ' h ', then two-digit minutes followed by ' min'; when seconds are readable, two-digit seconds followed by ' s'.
6 h 12 min
